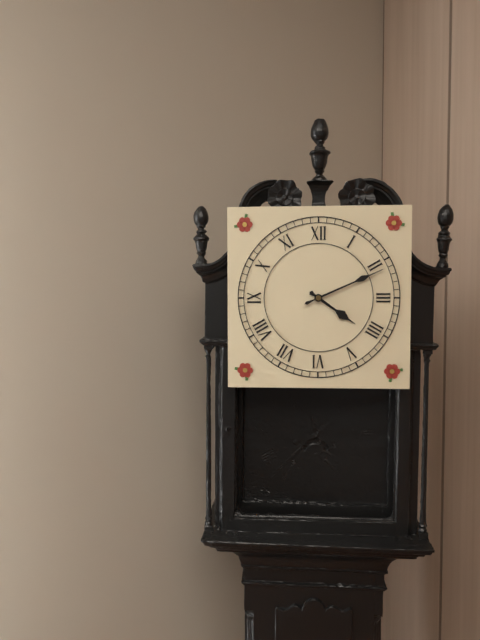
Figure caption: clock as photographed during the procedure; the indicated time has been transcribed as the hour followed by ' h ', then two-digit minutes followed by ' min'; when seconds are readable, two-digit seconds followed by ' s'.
4 h 11 min
